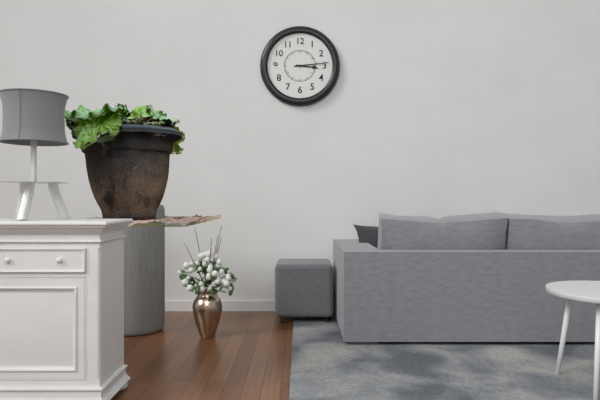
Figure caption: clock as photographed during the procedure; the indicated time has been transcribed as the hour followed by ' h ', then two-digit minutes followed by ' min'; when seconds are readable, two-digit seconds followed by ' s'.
3 h 14 min
